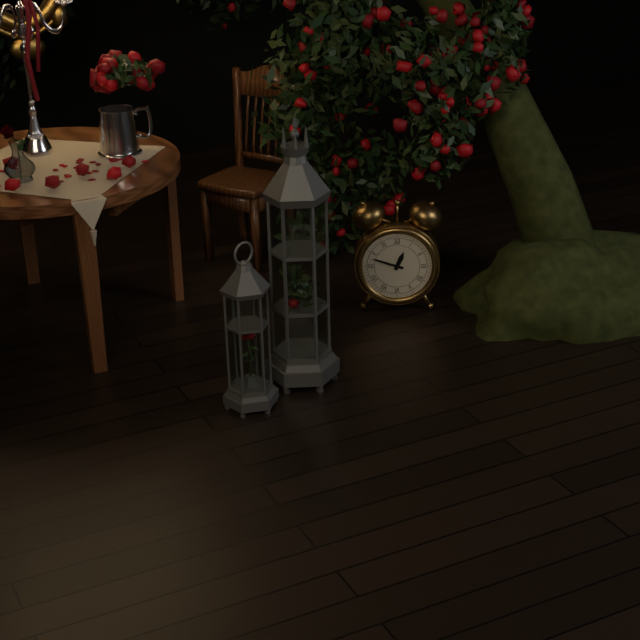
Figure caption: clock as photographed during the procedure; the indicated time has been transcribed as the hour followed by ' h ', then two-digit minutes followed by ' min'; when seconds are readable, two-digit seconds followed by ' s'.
12 h 48 min
